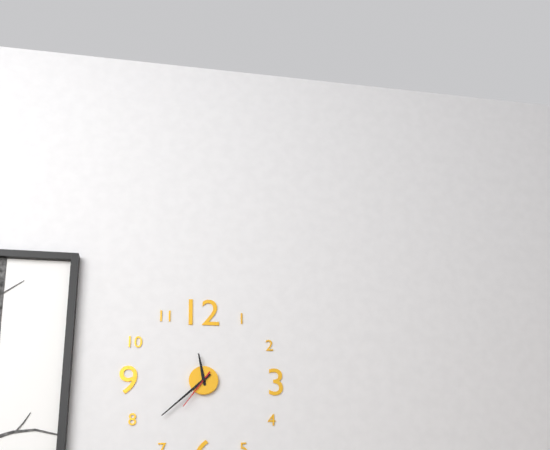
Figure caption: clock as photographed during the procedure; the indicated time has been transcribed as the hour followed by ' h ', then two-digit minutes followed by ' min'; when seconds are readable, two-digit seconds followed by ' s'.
11 h 38 min
